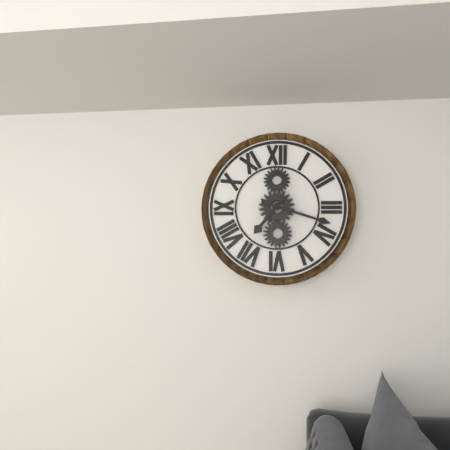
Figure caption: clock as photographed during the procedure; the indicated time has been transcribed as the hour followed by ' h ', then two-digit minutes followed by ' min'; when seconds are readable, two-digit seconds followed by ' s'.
7 h 18 min
